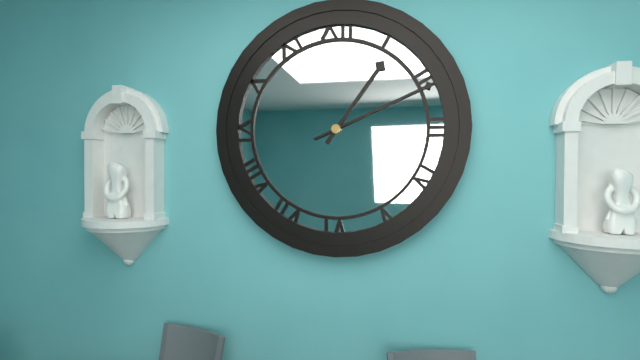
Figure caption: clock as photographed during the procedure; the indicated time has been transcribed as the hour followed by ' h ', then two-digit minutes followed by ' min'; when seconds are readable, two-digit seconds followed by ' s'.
1 h 11 min
